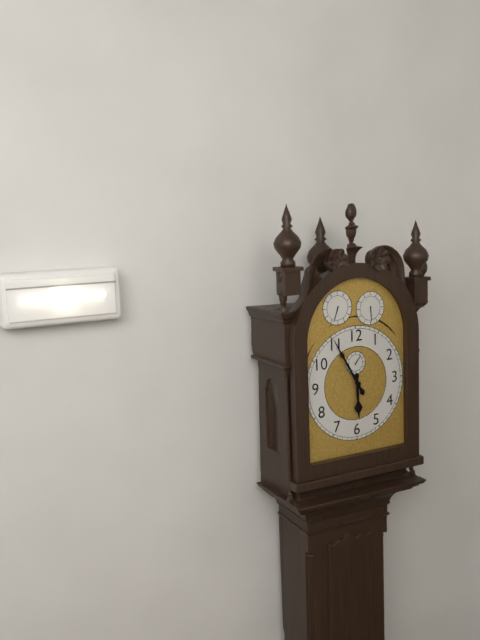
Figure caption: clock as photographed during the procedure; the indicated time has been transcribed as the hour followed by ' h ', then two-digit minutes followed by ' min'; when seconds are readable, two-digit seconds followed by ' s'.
5 h 55 min
